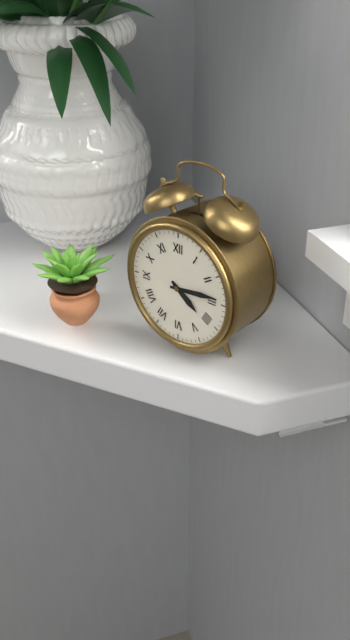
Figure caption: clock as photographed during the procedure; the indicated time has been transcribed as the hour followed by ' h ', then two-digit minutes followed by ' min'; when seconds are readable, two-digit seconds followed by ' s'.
4 h 14 min
